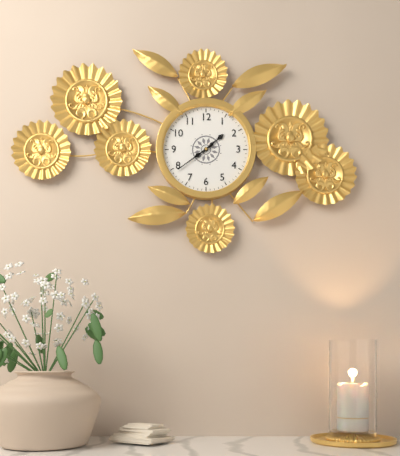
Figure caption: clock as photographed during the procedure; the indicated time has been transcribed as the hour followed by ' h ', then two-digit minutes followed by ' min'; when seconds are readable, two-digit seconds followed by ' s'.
1 h 39 min
